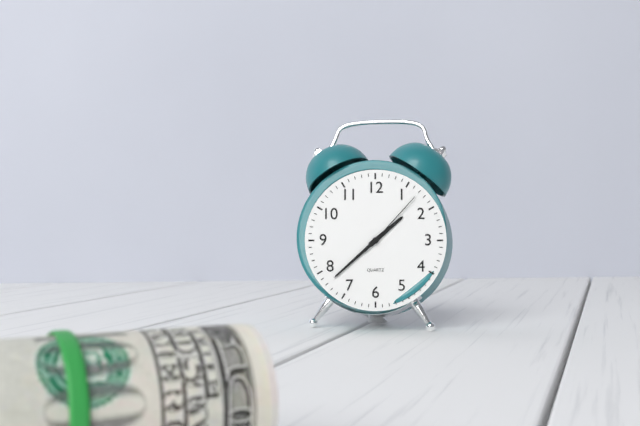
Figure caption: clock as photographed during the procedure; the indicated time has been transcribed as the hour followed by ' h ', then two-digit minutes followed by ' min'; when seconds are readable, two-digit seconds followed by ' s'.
1 h 38 min 07 s
